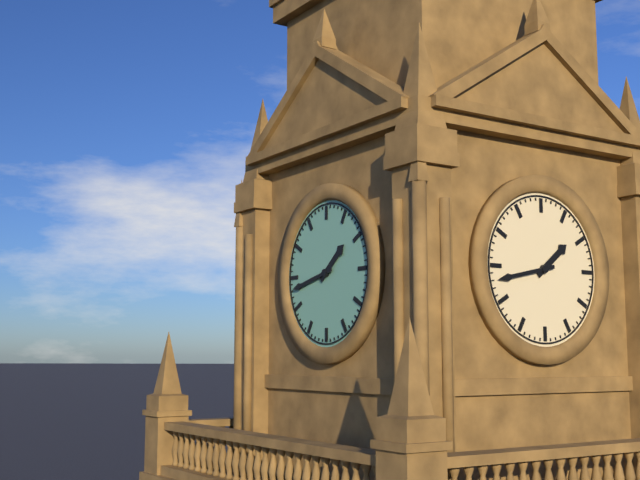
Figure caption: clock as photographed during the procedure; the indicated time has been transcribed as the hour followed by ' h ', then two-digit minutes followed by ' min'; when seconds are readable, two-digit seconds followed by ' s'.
1 h 43 min
